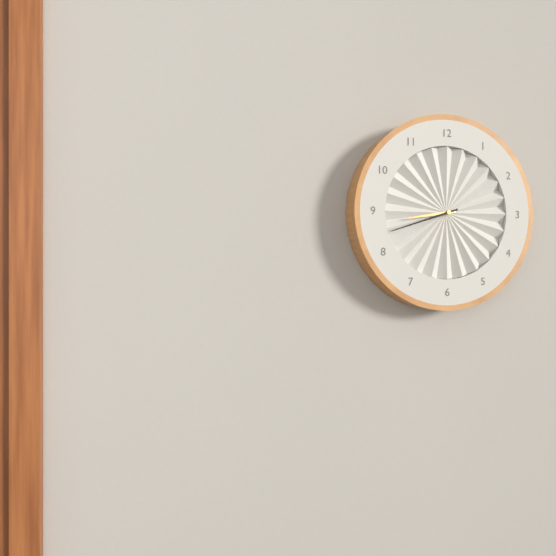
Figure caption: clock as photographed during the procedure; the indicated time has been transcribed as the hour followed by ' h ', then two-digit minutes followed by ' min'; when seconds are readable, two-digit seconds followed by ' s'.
8 h 42 min
